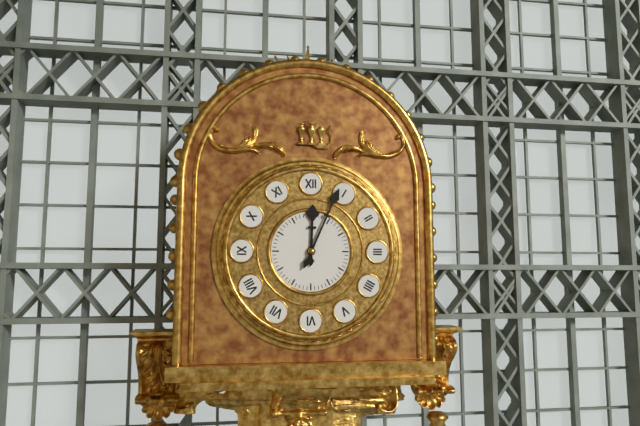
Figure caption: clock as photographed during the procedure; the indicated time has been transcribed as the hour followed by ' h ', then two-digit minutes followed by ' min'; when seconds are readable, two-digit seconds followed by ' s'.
12 h 04 min
